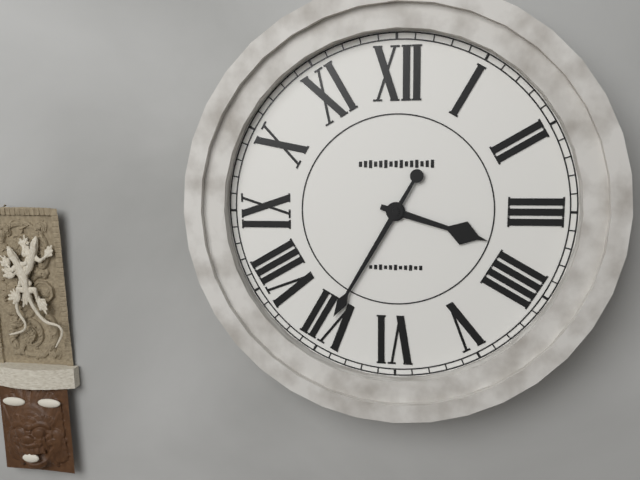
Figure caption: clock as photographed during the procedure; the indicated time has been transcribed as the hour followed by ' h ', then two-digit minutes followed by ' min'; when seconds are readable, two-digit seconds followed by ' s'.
3 h 35 min
